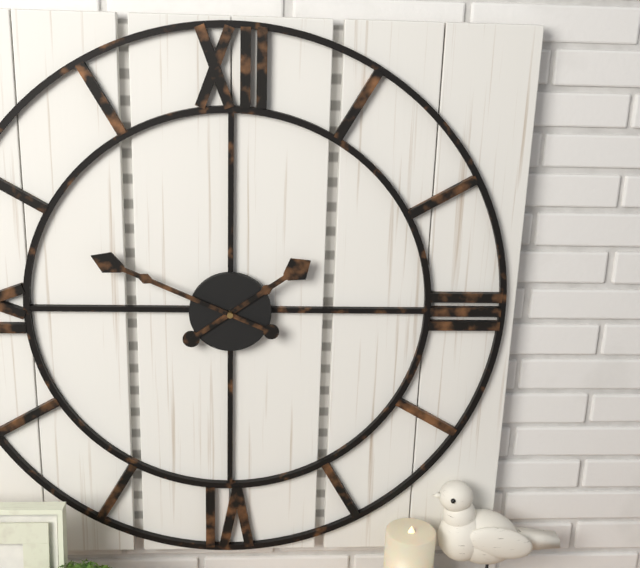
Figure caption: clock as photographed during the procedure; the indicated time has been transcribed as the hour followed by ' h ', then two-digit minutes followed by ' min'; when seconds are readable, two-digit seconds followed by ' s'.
1 h 49 min
